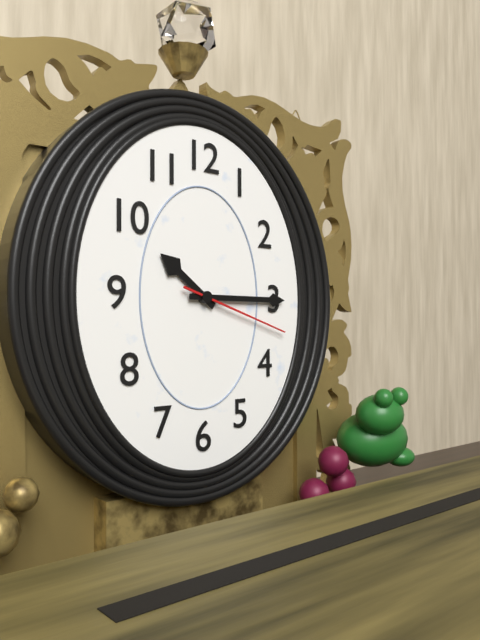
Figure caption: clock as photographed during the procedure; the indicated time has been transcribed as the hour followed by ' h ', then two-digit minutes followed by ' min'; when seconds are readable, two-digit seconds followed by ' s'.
10 h 15 min 18 s
